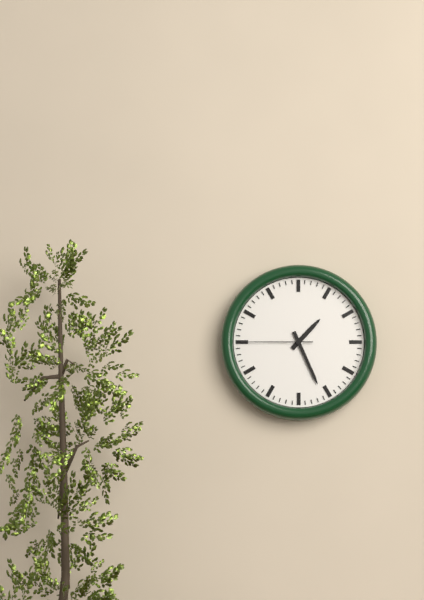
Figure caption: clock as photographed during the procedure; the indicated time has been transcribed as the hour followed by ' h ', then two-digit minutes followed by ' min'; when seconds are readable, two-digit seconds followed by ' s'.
1 h 26 min 45 s
